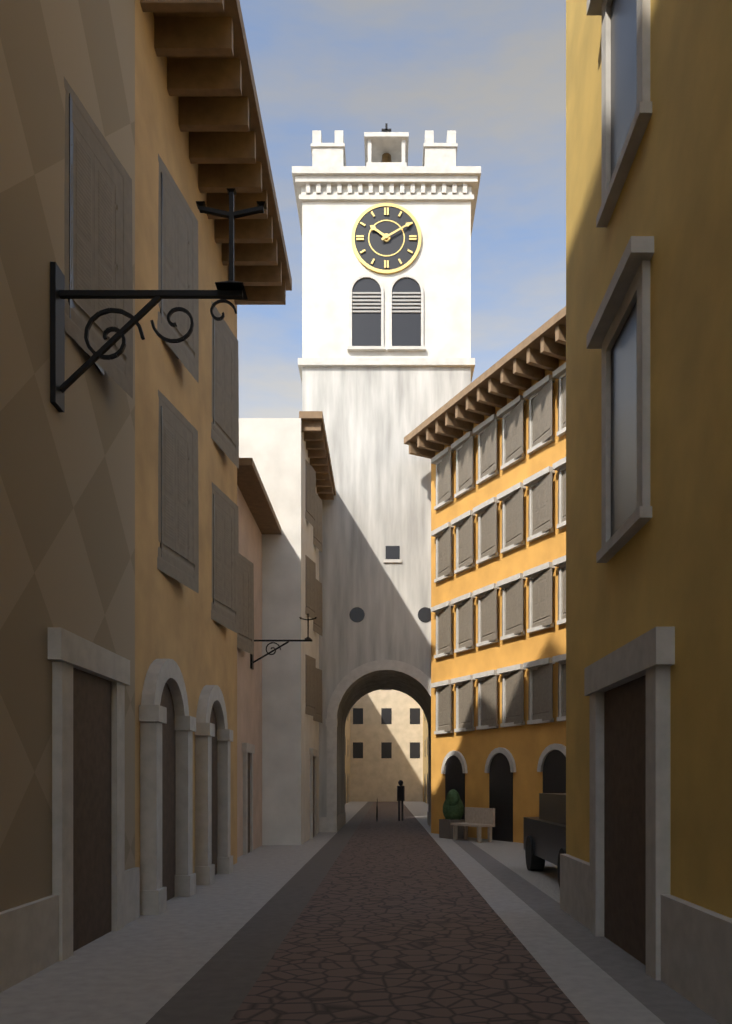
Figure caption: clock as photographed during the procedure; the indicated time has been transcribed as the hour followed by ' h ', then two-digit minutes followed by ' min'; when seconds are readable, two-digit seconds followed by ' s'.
10 h 10 min
